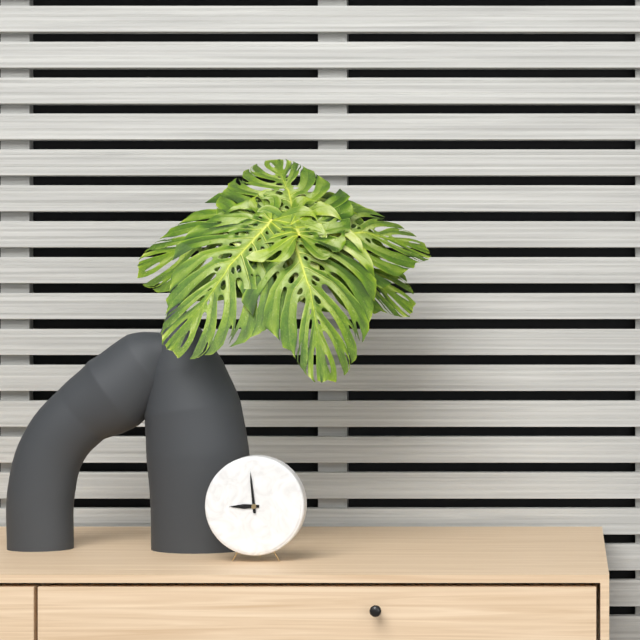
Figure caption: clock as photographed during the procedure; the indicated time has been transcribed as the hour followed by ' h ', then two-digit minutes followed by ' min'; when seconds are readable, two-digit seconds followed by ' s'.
8 h 59 min
